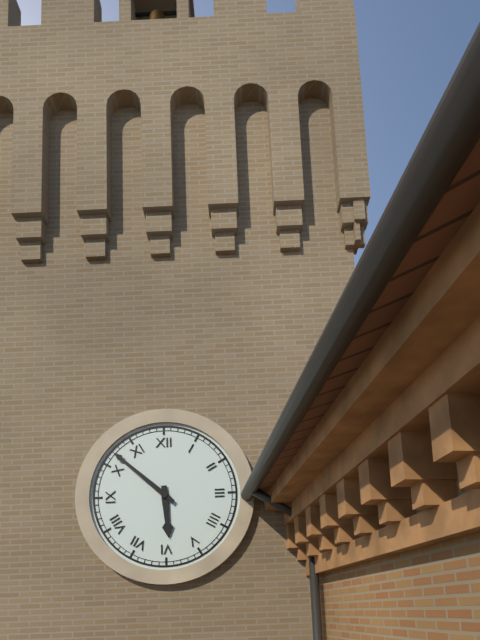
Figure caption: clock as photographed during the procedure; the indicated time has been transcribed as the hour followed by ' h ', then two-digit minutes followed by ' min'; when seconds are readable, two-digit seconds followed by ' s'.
5 h 52 min
